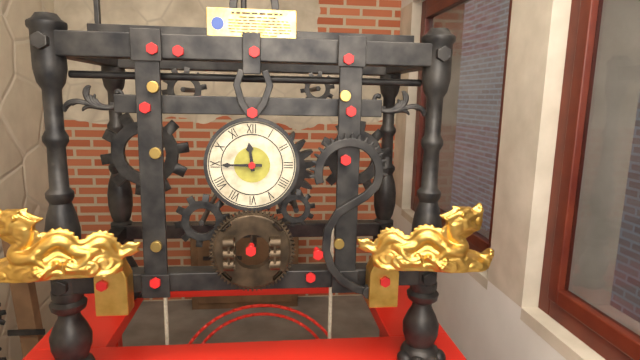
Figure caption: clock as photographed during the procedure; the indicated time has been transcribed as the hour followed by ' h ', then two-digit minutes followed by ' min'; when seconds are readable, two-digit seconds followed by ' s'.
11 h 45 min
